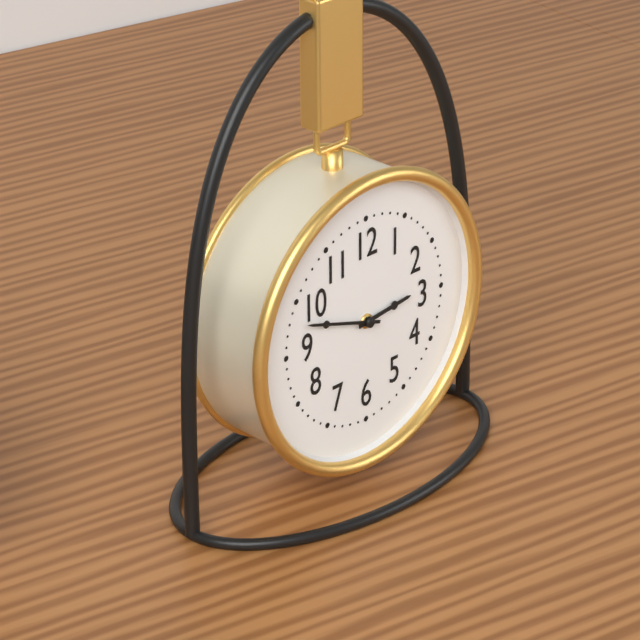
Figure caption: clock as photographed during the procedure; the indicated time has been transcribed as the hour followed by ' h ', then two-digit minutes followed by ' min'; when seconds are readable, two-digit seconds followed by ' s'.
2 h 48 min
